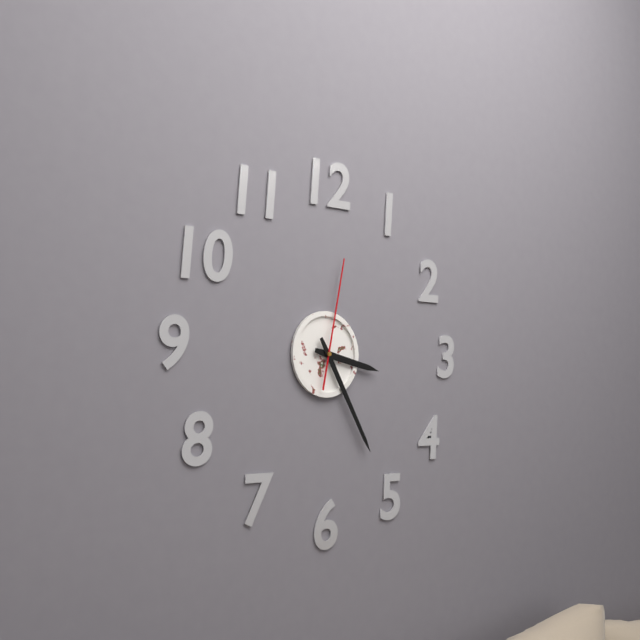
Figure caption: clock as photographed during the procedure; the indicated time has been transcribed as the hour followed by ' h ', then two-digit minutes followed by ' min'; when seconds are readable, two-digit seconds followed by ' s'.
3 h 25 min 02 s
